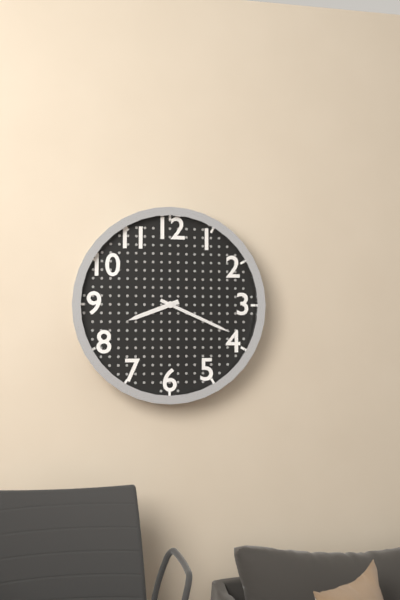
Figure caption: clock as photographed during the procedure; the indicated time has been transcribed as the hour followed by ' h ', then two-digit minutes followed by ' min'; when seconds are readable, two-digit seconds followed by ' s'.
8 h 19 min
